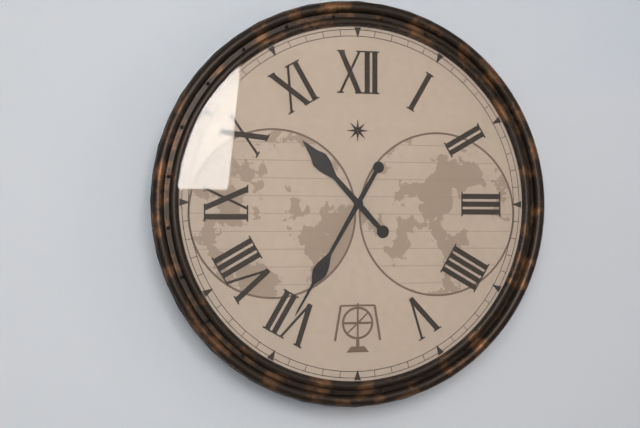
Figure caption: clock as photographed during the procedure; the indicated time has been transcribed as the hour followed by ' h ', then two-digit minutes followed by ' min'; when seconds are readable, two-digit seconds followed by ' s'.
10 h 35 min
